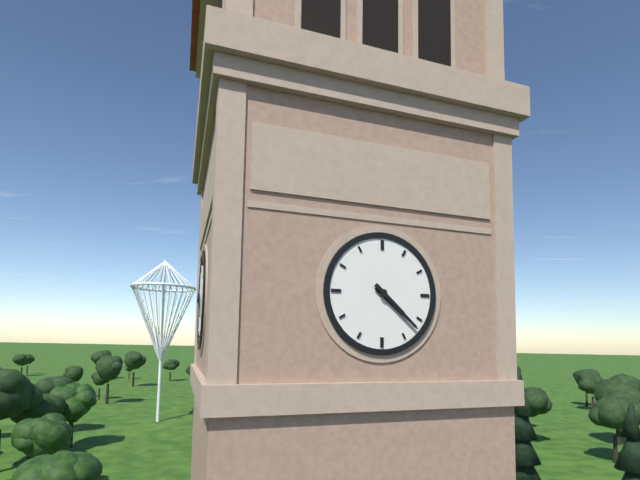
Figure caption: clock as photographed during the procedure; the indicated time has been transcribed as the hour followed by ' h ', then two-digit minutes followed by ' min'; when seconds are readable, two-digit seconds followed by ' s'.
4 h 22 min
